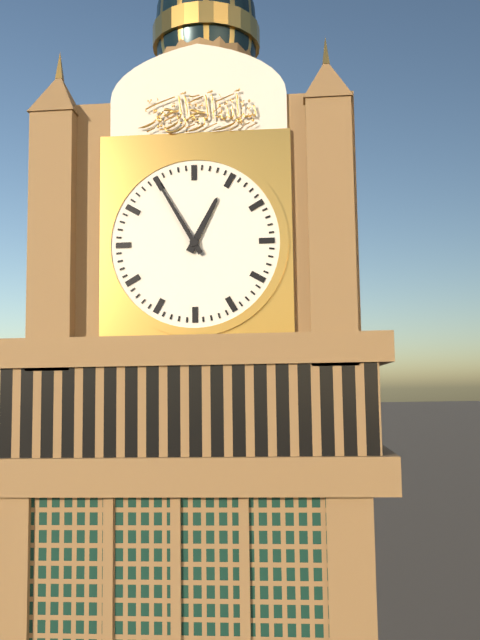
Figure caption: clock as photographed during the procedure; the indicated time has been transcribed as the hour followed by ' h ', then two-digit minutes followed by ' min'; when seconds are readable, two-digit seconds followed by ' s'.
12 h 55 min
